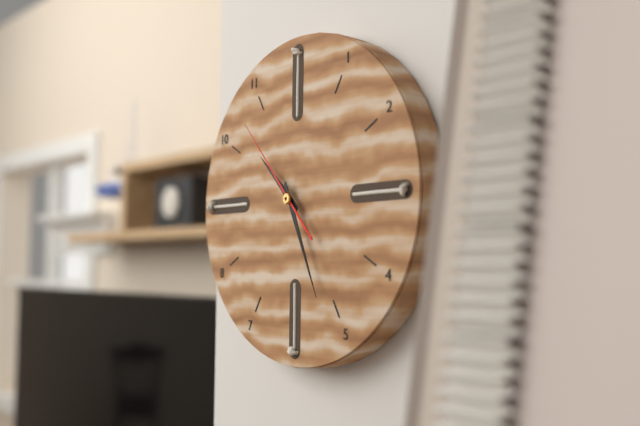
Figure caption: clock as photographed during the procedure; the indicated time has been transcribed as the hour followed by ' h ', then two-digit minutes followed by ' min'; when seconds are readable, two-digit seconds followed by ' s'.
10 h 26 min 53 s
